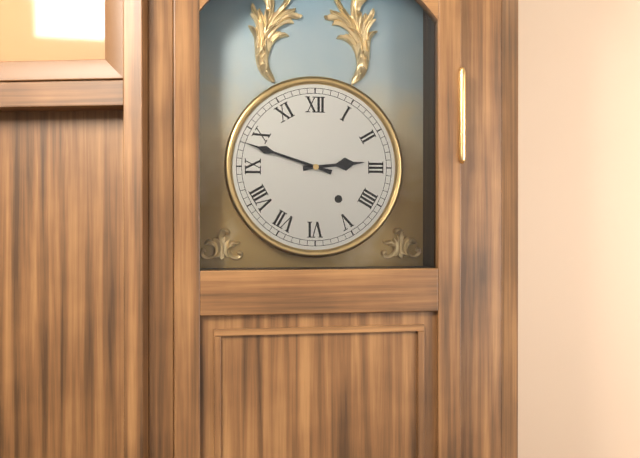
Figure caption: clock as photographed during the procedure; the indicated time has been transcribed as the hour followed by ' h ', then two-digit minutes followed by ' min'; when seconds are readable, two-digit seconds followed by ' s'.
2 h 48 min
